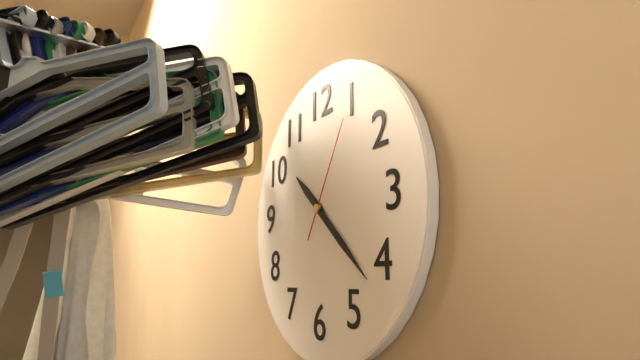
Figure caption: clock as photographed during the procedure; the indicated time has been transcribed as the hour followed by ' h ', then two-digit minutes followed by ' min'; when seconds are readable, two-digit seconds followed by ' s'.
10 h 22 min 05 s
